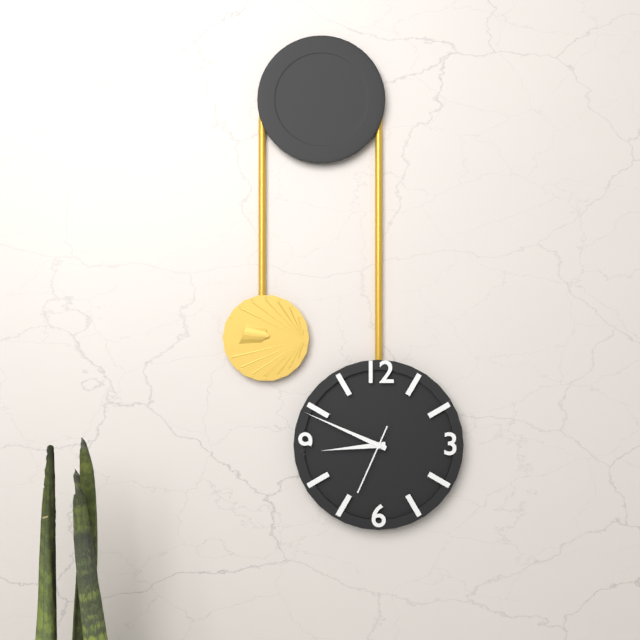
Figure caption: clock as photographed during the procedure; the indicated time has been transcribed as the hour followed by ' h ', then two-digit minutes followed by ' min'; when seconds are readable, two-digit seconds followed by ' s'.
8 h 49 min 34 s
